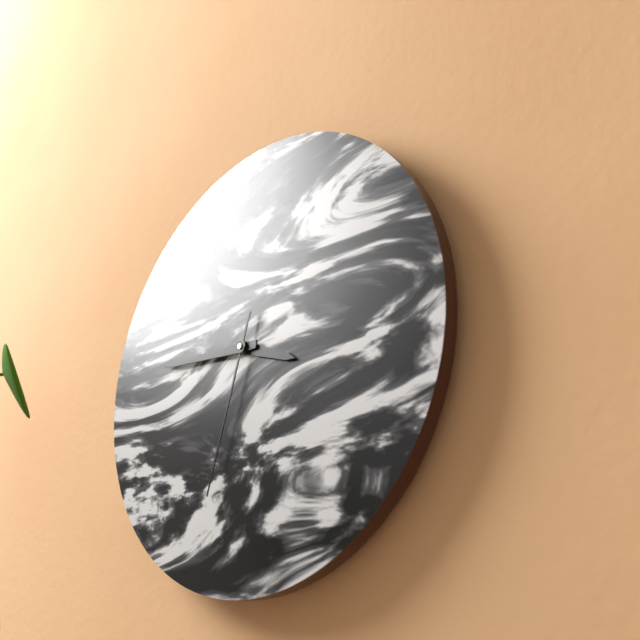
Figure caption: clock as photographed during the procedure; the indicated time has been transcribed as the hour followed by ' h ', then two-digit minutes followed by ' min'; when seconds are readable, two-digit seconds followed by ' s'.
3 h 46 min 33 s
